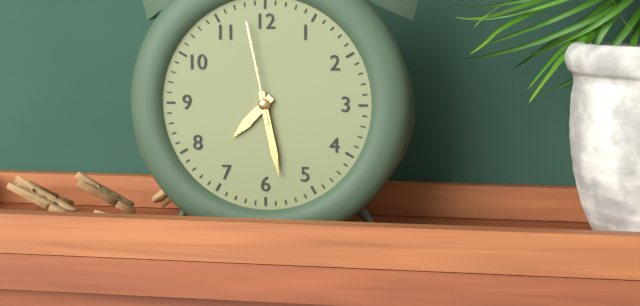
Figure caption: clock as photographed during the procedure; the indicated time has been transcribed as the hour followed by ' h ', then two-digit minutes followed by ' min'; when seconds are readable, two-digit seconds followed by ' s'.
7 h 28 min 58 s
